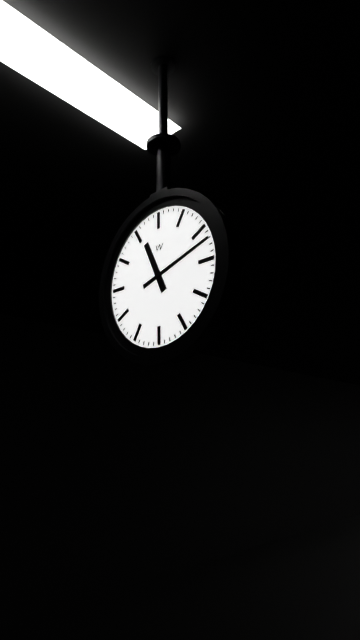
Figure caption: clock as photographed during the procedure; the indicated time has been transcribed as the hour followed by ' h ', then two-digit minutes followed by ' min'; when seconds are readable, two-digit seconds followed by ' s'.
11 h 12 min
